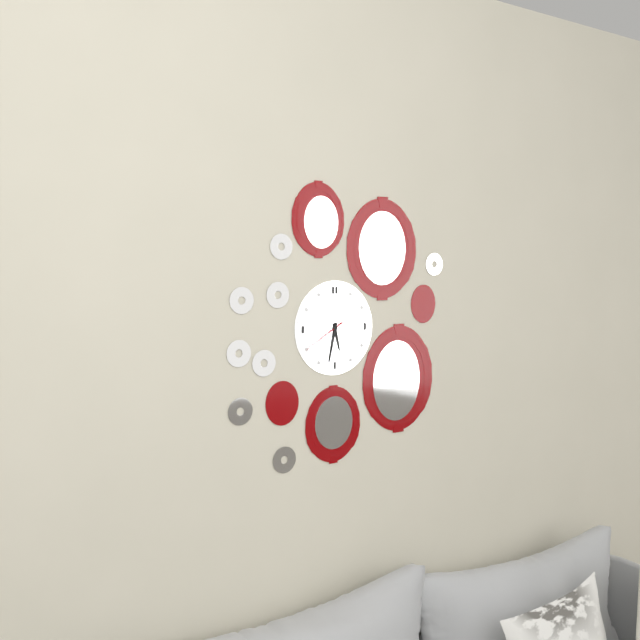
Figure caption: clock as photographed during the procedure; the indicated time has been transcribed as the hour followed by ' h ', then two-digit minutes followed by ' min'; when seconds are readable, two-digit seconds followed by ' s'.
5 h 32 min
